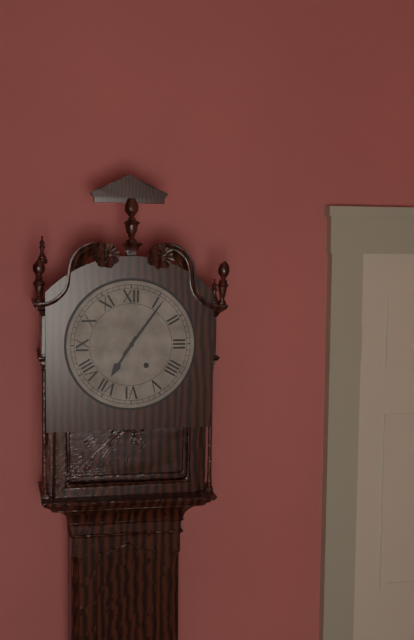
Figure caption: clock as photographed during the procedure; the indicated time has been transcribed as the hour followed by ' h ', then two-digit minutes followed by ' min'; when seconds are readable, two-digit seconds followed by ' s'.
7 h 06 min
